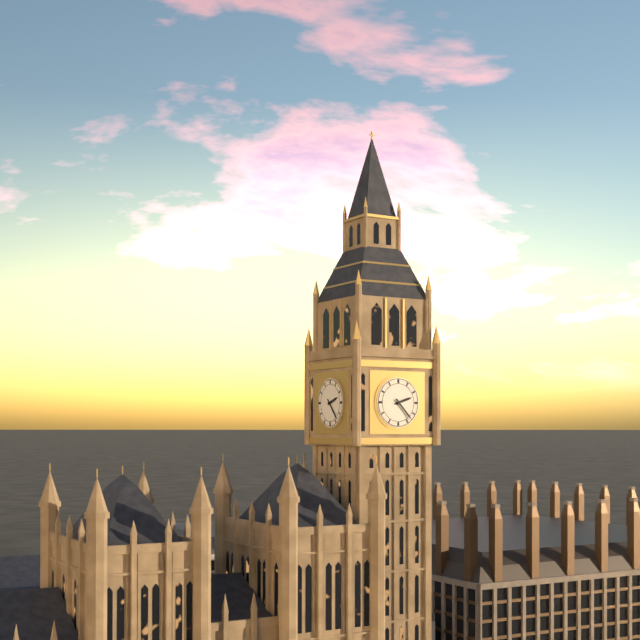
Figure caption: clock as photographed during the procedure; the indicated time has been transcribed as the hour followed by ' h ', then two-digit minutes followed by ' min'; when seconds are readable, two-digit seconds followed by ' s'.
2 h 23 min
